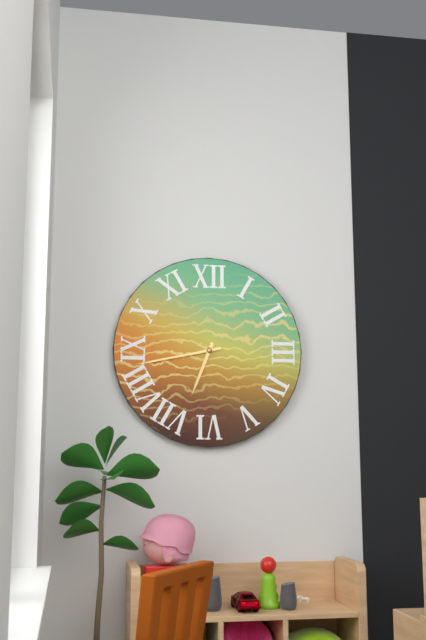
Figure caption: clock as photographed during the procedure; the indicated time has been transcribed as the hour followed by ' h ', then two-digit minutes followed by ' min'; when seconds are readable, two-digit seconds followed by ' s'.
6 h 43 min
